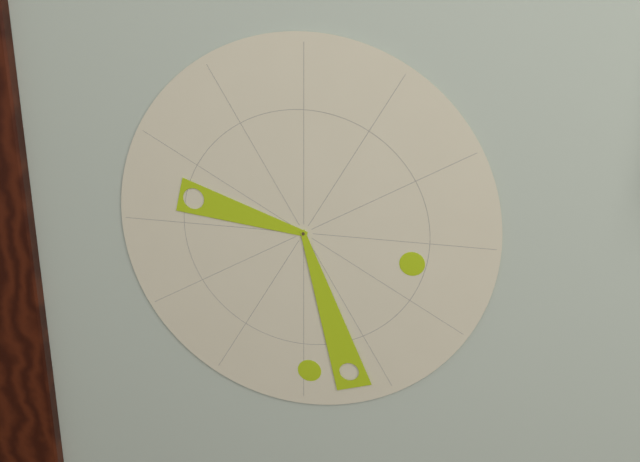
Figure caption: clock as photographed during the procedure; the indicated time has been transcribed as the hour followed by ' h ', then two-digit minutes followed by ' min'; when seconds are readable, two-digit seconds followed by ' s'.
9 h 27 min
